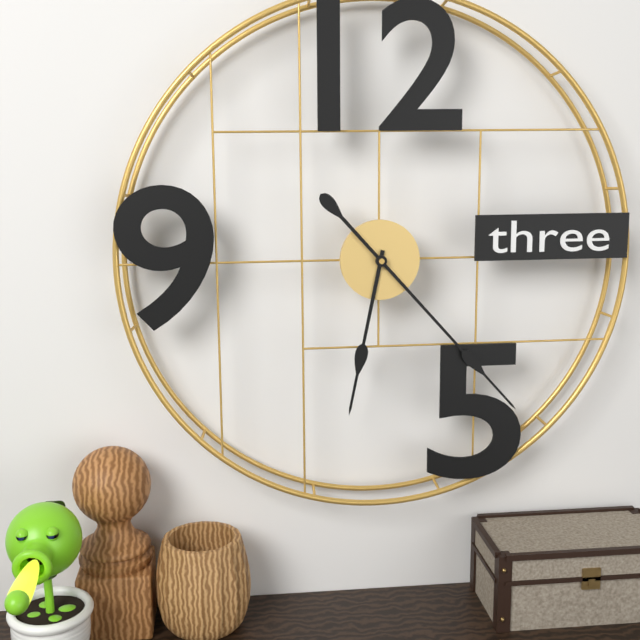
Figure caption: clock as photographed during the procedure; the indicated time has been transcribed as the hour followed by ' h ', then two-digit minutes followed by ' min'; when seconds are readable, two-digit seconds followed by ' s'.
6 h 23 min
